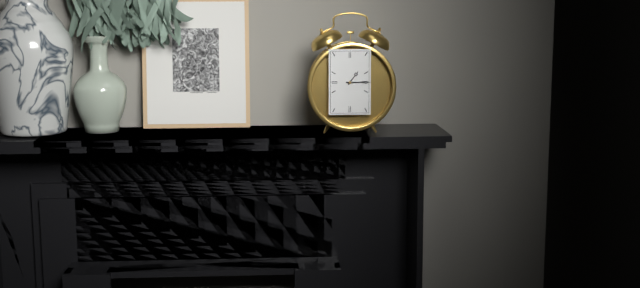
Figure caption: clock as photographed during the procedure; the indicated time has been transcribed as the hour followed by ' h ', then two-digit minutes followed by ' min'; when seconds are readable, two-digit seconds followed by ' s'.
1 h 15 min
